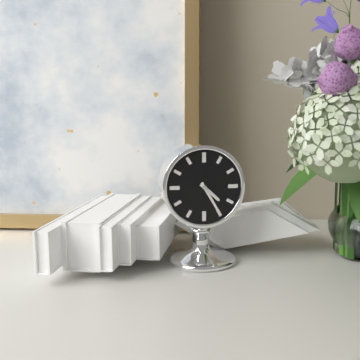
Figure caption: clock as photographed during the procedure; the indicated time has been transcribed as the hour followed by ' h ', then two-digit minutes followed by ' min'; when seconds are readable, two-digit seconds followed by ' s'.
4 h 25 min
